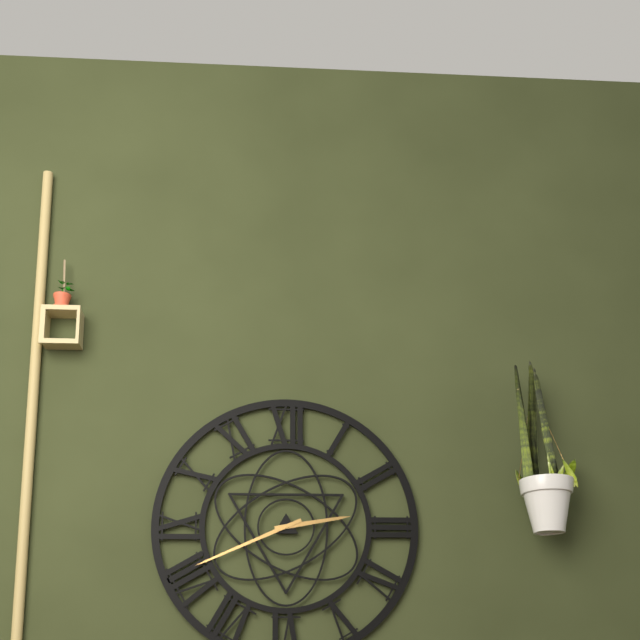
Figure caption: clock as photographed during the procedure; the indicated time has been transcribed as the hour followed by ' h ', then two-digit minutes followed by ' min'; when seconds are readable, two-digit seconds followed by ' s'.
2 h 41 min
